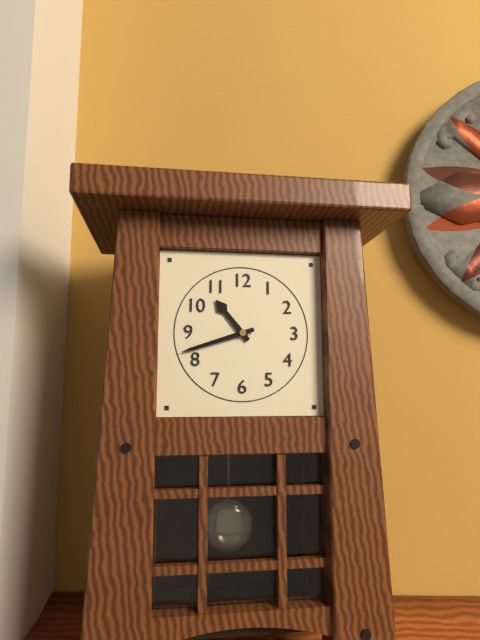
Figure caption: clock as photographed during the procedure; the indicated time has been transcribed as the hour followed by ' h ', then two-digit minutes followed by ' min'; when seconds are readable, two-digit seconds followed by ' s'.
10 h 42 min
